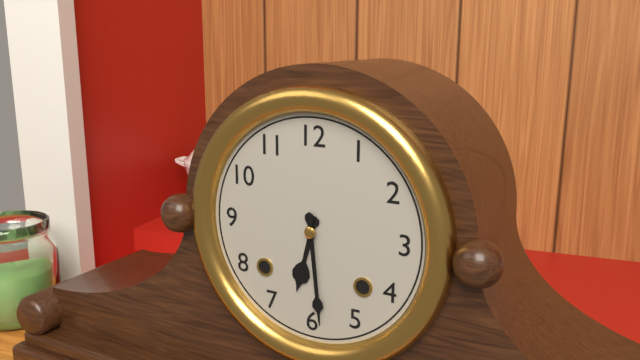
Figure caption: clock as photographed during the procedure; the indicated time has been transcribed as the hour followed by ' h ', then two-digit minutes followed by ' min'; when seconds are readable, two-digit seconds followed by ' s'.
6 h 29 min
